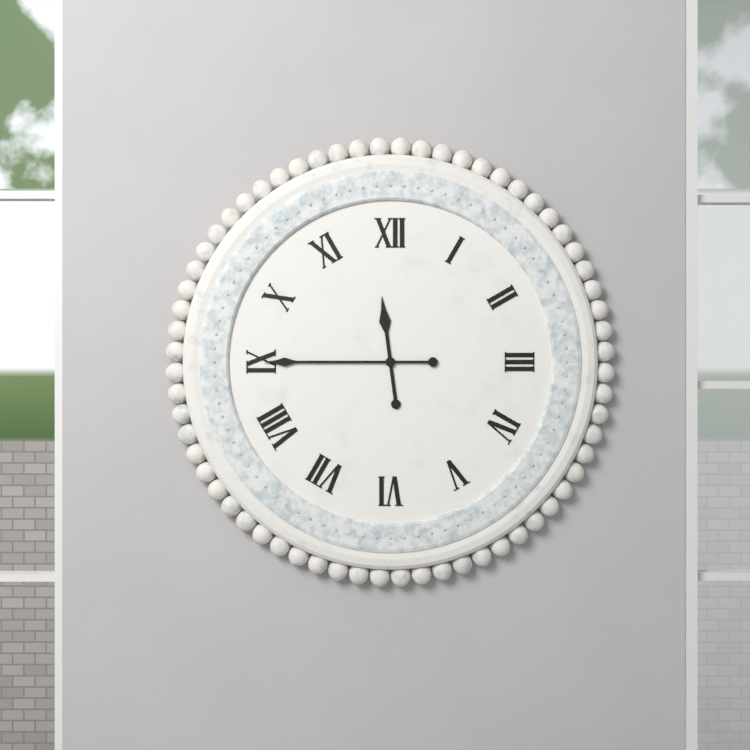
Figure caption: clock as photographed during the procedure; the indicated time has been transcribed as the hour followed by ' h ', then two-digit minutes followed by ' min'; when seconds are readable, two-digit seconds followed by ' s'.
11 h 45 min
